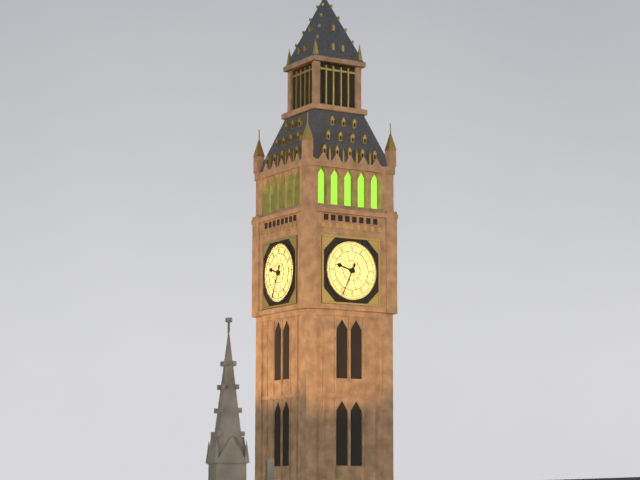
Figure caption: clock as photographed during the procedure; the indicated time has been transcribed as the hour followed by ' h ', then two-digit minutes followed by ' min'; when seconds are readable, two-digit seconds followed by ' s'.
9 h 34 min
